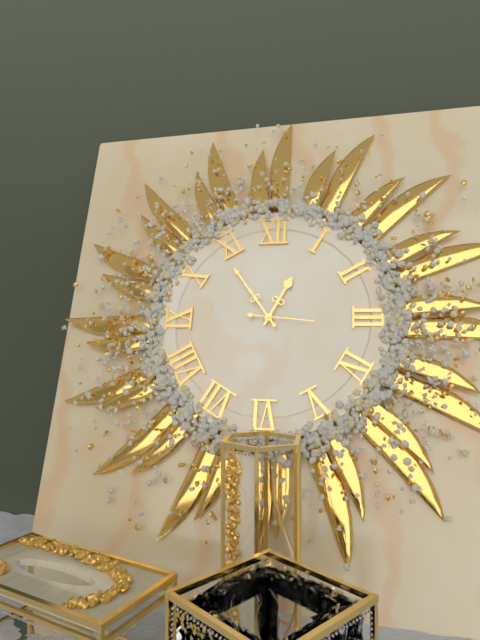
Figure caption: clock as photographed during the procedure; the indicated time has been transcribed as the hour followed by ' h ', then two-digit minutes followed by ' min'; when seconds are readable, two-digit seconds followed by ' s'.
12 h 54 min 16 s
